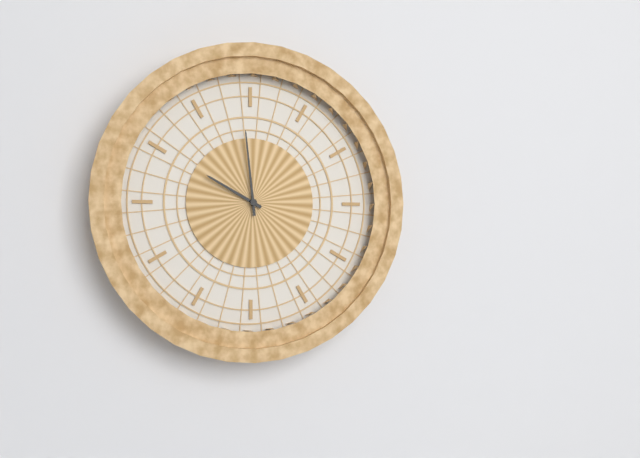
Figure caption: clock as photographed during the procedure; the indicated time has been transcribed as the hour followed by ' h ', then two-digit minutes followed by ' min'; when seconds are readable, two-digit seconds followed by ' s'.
9 h 59 min
